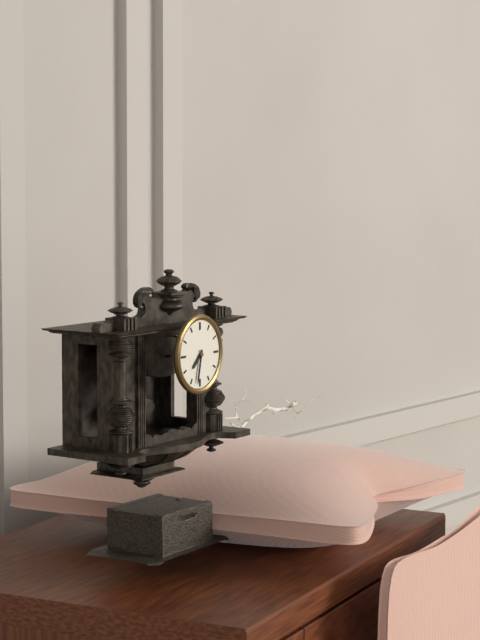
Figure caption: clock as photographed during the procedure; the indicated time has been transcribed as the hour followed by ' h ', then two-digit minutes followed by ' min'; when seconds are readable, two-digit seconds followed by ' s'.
7 h 32 min
